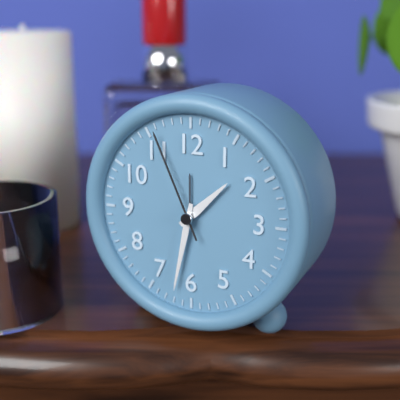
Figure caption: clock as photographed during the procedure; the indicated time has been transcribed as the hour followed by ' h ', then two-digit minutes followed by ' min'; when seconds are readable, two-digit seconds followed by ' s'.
1 h 32 min 56 s
